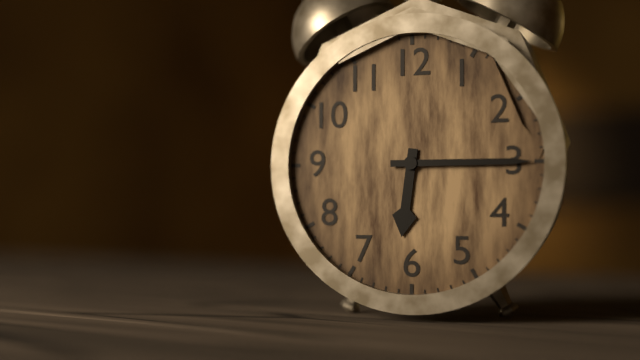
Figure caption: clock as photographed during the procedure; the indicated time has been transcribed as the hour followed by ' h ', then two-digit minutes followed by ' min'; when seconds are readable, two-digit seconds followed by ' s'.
6 h 15 min
